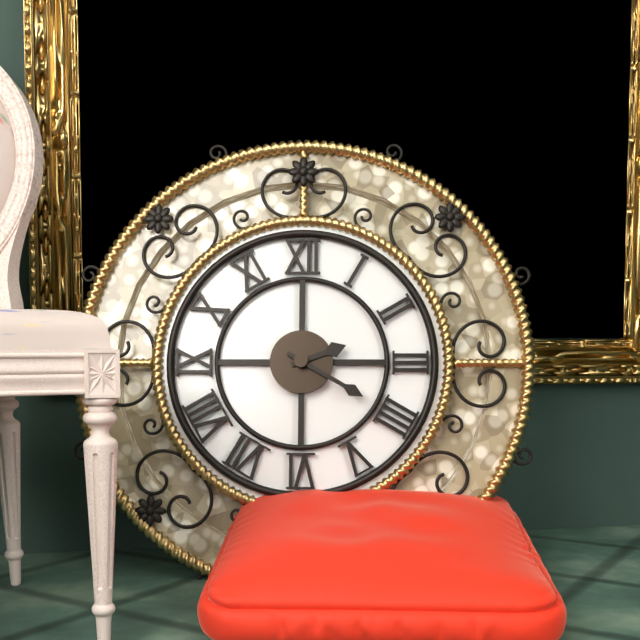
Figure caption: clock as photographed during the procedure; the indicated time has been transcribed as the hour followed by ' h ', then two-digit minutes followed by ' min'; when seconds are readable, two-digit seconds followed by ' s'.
2 h 20 min
